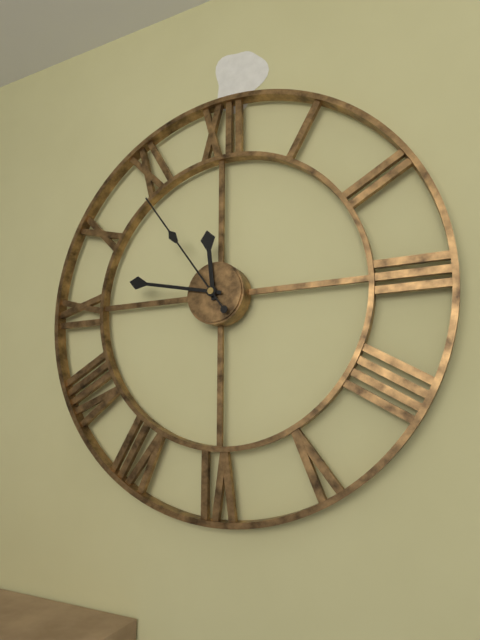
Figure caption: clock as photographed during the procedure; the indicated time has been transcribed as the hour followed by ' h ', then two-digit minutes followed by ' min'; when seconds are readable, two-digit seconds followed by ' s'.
11 h 47 min 54 s
